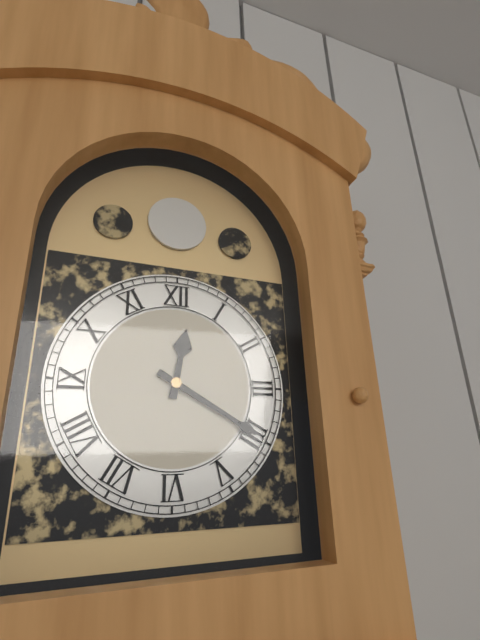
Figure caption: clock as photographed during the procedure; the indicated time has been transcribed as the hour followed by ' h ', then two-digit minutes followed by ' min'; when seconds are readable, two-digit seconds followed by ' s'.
12 h 20 min
